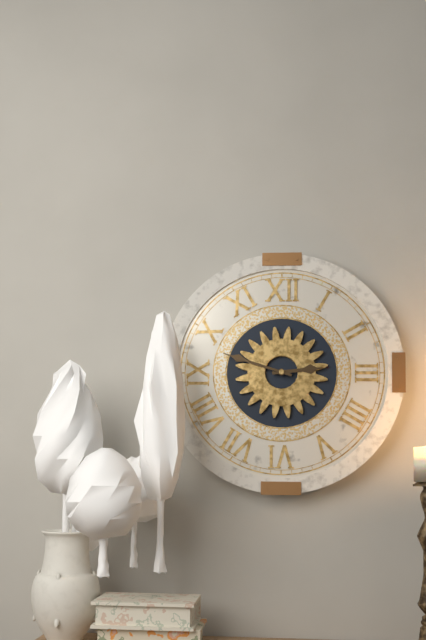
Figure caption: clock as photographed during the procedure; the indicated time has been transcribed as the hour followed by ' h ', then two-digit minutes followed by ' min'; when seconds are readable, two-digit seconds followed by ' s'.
2 h 48 min
